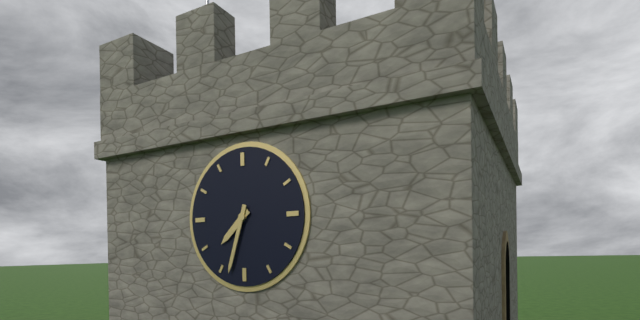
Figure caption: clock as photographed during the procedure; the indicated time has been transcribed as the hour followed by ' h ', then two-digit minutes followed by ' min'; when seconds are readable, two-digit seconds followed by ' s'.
7 h 33 min
